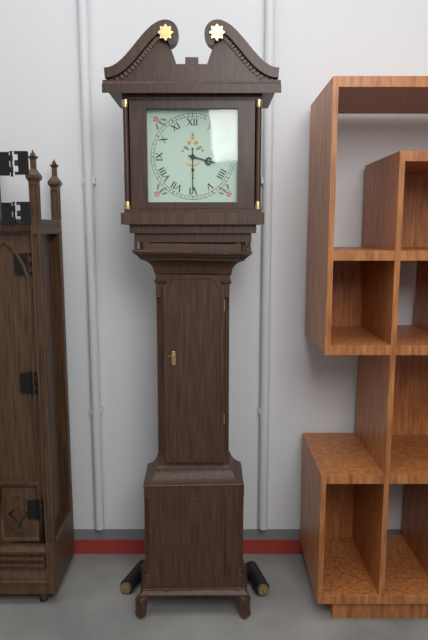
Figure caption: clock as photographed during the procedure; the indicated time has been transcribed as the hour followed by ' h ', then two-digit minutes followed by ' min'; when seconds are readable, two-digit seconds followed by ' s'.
3 h 30 min
